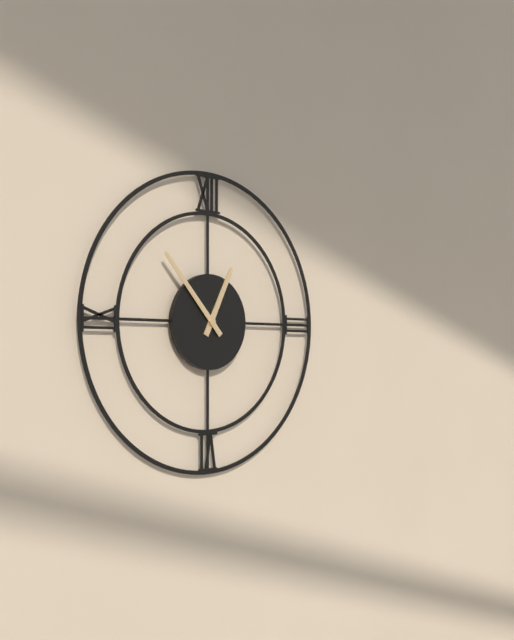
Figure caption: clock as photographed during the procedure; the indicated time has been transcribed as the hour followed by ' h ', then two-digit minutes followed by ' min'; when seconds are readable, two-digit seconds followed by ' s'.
12 h 53 min
